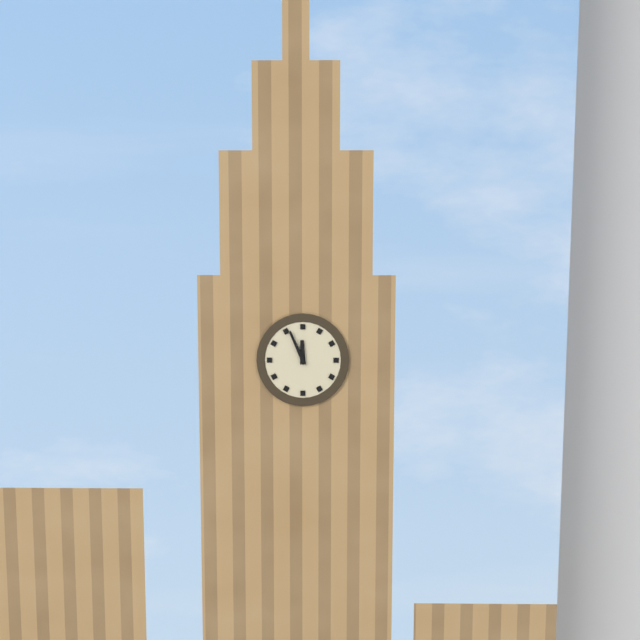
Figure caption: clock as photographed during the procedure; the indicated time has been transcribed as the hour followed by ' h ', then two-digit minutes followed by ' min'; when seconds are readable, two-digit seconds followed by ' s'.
11 h 56 min
